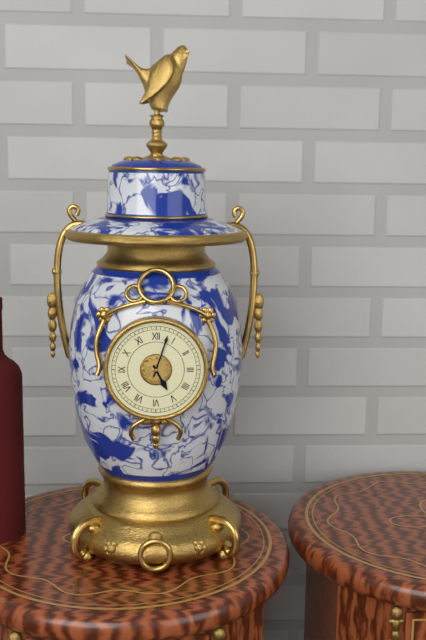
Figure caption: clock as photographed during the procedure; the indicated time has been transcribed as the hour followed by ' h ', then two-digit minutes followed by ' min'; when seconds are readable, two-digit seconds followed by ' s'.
5 h 03 min
